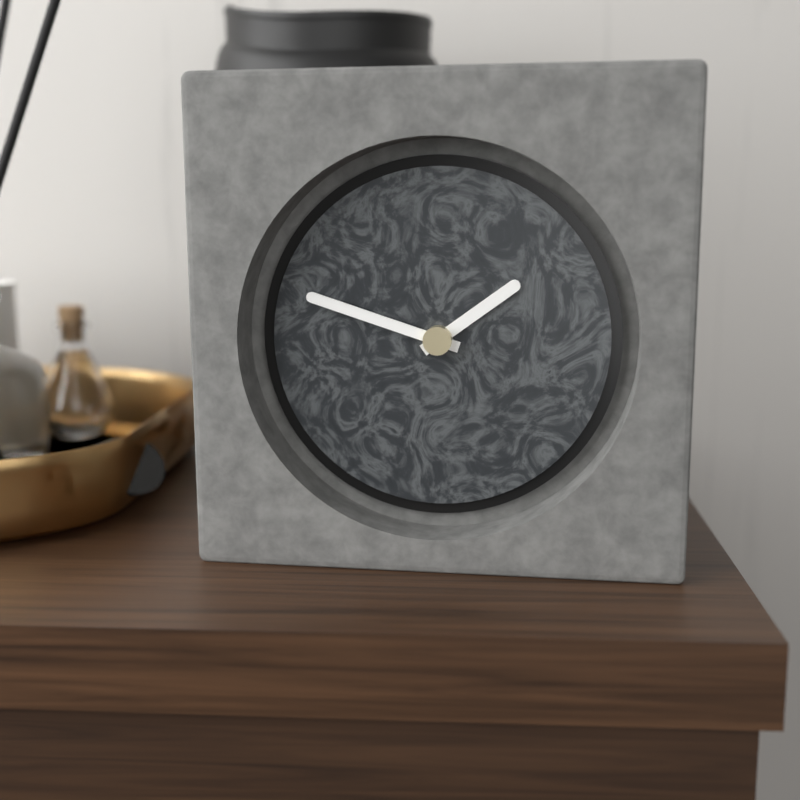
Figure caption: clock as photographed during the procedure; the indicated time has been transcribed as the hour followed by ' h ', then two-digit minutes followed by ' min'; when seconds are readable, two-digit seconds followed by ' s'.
1 h 48 min
